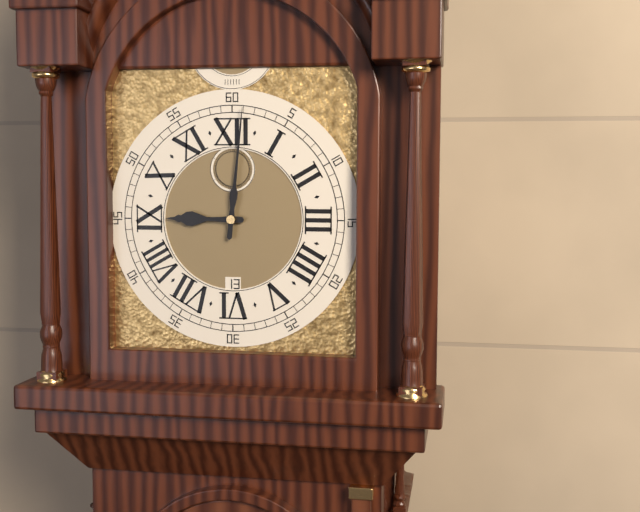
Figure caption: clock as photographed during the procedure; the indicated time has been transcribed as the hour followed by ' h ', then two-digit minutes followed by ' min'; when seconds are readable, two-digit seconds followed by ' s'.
9 h 01 min
